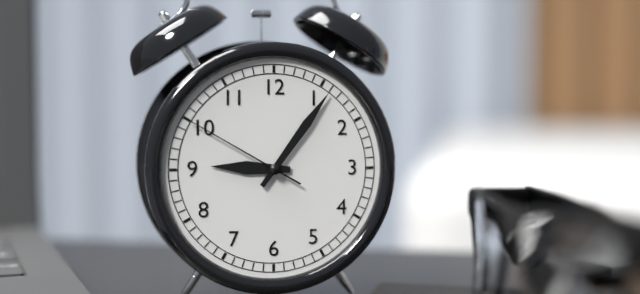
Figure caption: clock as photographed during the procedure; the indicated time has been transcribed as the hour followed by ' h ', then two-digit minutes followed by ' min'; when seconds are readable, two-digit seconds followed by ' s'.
9 h 06 min 50 s
